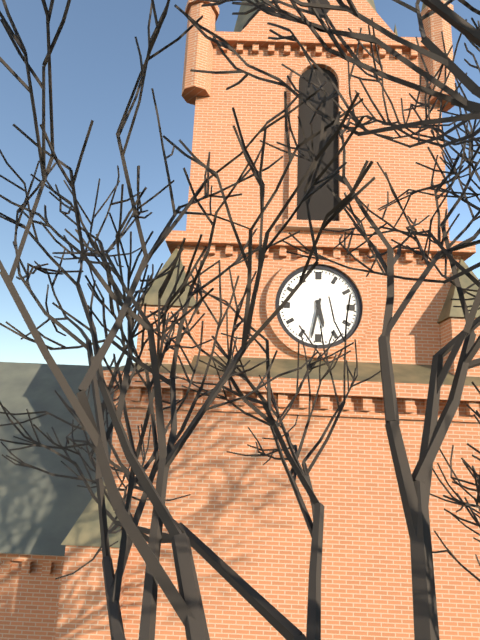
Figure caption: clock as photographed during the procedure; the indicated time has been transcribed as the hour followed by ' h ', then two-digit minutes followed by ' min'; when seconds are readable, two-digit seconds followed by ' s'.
5 h 32 min
